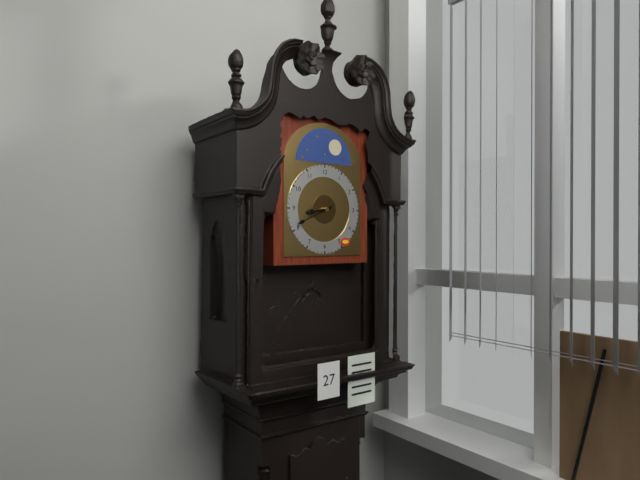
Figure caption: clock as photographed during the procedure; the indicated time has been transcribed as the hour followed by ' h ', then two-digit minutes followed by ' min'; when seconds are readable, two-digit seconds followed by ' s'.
8 h 41 min
